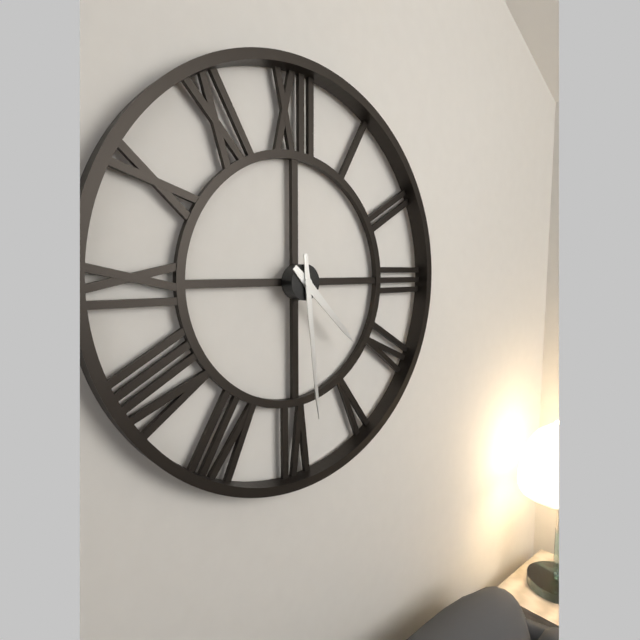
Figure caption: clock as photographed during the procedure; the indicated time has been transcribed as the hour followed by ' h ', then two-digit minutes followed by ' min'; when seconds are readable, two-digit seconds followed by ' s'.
4 h 29 min
